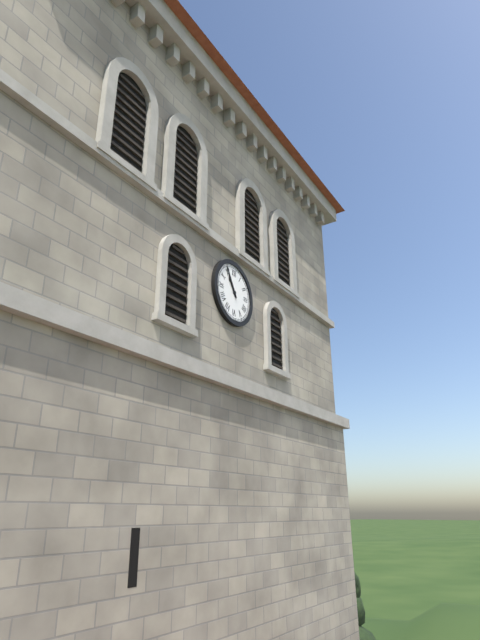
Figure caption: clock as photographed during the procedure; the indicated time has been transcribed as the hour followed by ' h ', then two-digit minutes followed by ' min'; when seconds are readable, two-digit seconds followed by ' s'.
10 h 55 min
